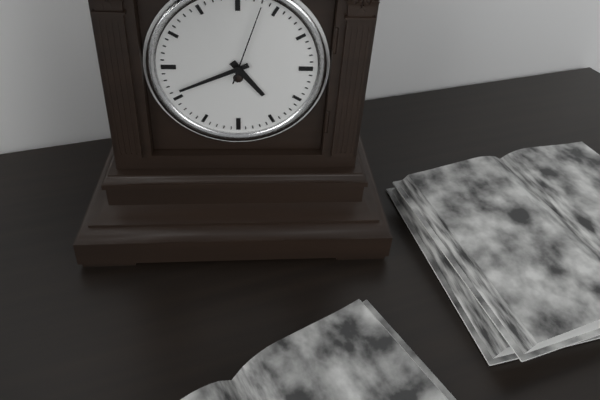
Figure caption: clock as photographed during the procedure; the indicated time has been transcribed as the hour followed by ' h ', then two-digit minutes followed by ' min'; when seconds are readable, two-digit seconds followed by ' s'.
4 h 41 min 03 s
